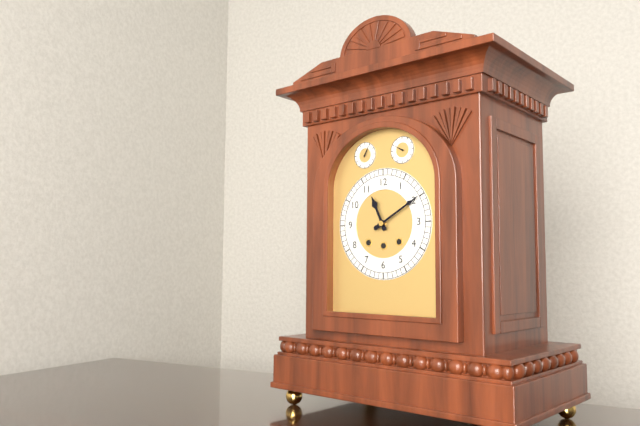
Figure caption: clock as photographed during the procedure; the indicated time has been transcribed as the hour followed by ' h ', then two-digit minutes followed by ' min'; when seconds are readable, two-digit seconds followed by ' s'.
11 h 10 min
